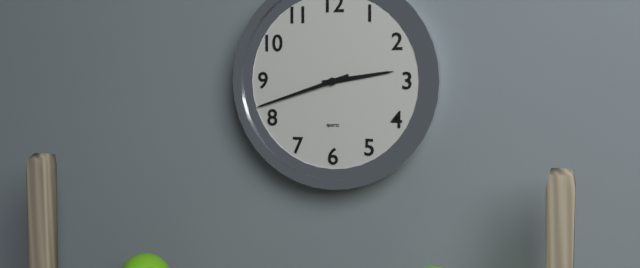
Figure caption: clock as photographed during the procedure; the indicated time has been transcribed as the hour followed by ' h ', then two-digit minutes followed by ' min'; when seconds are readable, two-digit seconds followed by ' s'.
2 h 42 min
